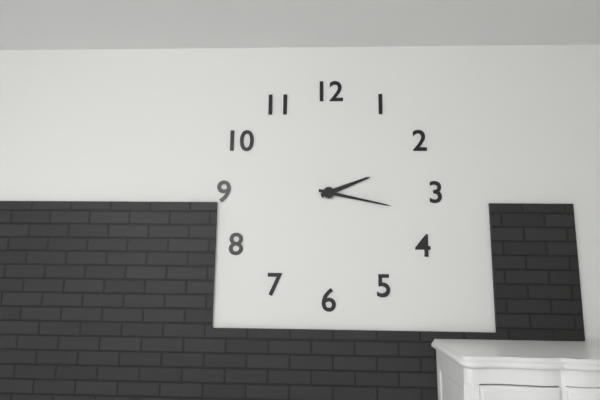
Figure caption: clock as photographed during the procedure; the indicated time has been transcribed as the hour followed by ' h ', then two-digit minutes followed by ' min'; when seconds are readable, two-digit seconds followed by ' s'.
2 h 17 min
